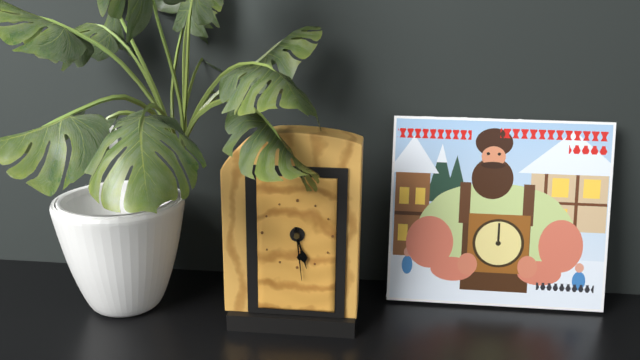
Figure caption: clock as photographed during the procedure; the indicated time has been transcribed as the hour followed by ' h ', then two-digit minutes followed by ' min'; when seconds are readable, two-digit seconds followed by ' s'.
5 h 29 min
